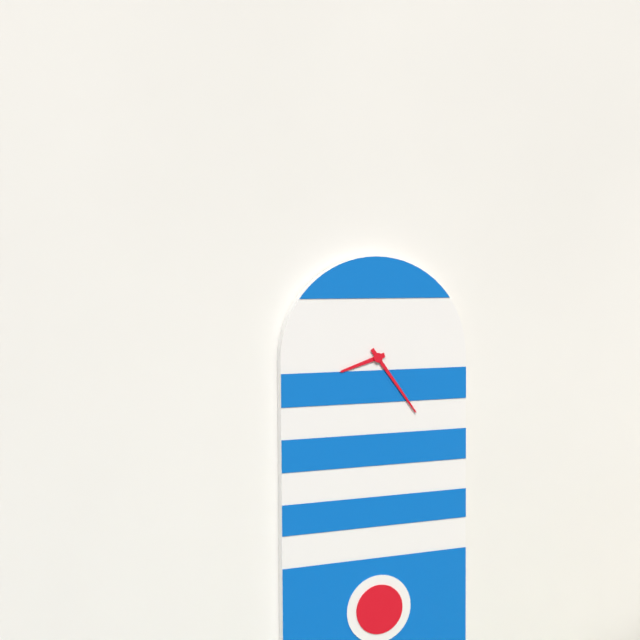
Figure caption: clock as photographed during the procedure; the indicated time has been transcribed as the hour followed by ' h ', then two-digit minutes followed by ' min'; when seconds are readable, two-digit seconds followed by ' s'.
8 h 24 min
